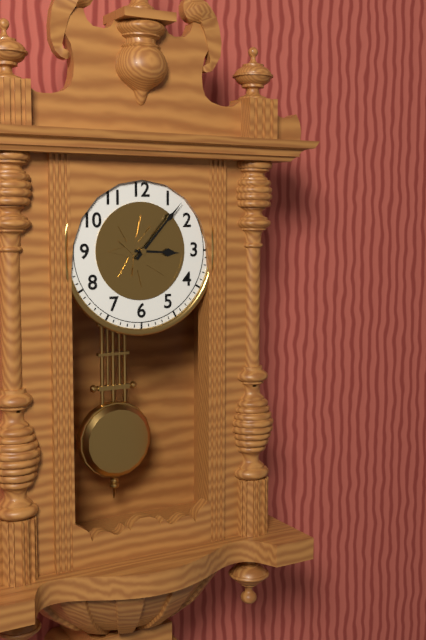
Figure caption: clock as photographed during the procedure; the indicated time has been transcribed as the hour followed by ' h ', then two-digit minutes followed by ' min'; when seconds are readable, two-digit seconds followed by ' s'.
3 h 07 min
